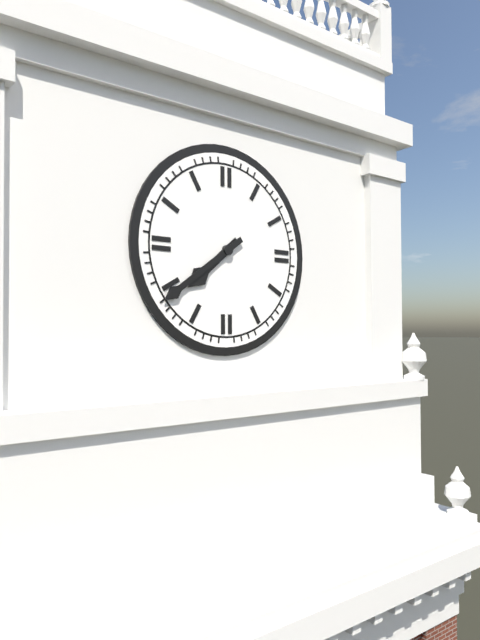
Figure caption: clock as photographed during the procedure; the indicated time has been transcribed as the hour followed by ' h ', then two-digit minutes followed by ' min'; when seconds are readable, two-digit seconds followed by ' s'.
7 h 39 min
